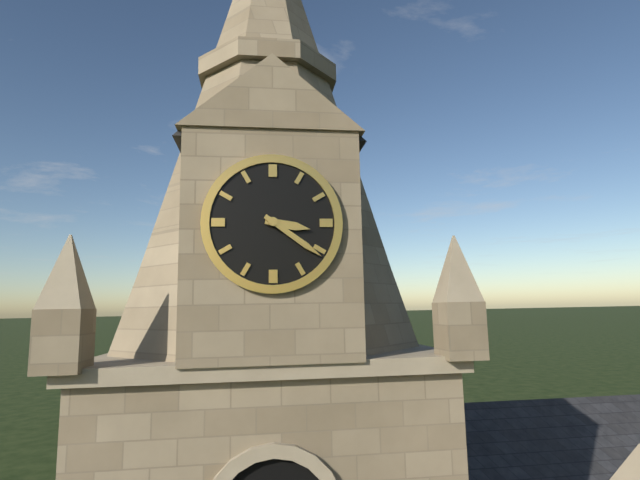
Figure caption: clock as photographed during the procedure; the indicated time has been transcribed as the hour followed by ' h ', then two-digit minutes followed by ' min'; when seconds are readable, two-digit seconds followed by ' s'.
3 h 21 min
